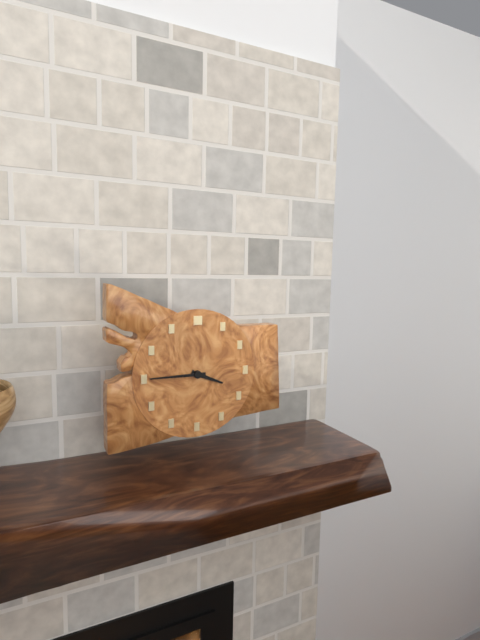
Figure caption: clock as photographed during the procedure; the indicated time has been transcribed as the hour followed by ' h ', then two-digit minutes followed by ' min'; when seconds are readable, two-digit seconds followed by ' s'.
3 h 45 min
